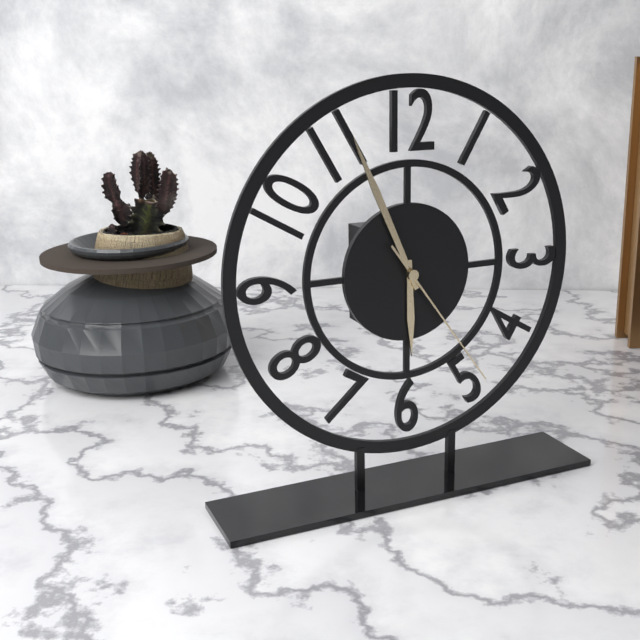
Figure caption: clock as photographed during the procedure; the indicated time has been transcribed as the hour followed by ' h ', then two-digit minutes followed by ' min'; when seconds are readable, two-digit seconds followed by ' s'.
5 h 56 min 24 s
